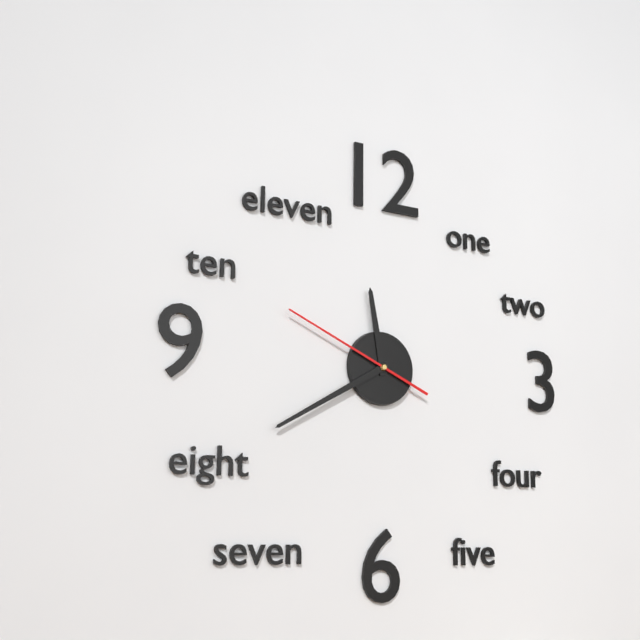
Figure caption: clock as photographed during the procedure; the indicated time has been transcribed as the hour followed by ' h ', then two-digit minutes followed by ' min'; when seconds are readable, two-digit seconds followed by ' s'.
11 h 40 min 49 s
